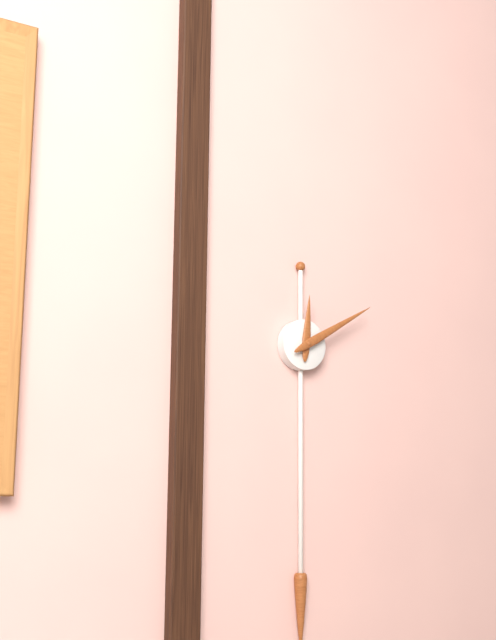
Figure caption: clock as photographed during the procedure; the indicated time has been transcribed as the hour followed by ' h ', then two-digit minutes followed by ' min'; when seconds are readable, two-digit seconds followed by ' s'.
12 h 10 min
